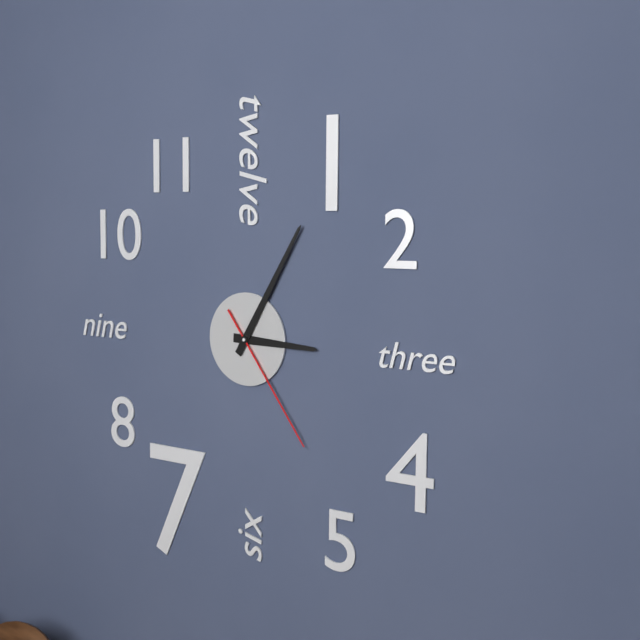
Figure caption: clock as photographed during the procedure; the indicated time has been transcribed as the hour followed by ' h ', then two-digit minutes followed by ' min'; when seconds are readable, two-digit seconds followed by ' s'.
3 h 05 min 24 s
